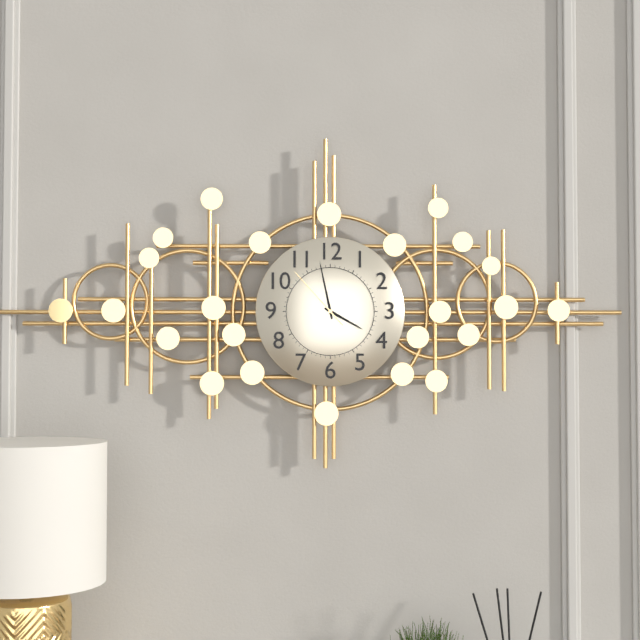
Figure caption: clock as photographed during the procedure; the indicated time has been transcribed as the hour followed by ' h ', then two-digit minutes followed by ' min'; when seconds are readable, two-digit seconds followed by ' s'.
3 h 58 min 53 s
